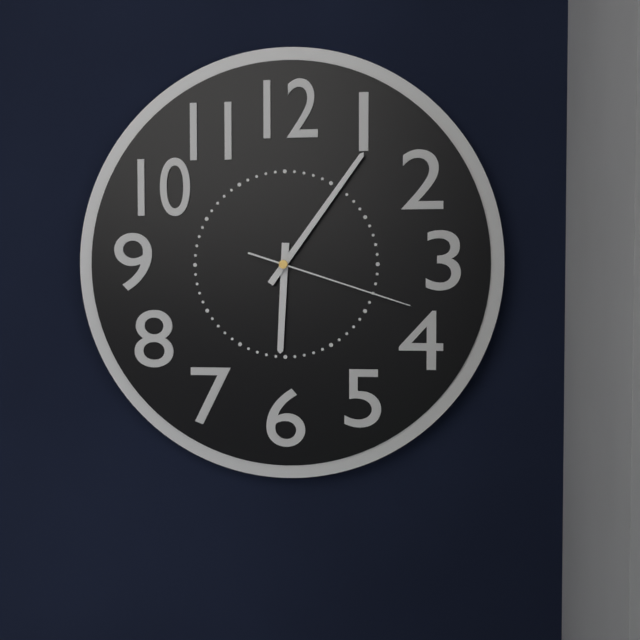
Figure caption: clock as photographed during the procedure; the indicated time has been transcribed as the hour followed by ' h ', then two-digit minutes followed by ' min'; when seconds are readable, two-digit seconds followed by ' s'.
6 h 06 min 18 s
